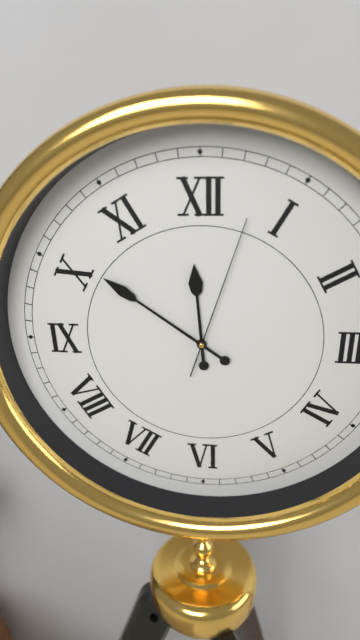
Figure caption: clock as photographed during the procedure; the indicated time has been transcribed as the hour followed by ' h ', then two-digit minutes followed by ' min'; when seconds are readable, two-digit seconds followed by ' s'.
11 h 51 min 03 s
